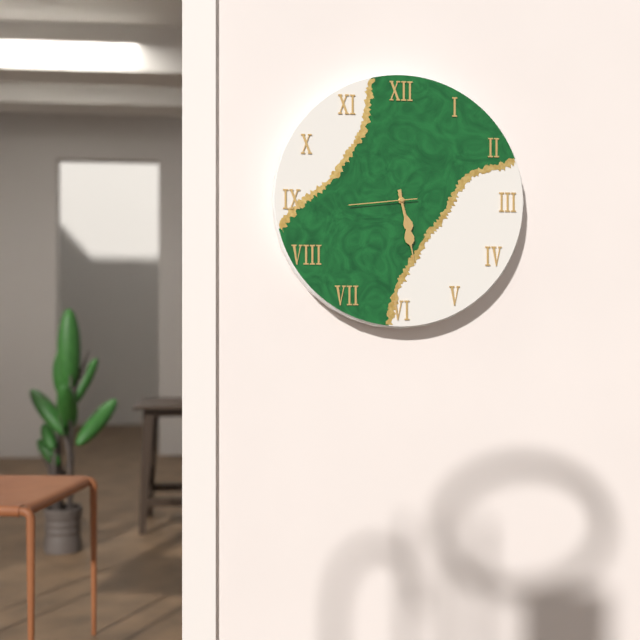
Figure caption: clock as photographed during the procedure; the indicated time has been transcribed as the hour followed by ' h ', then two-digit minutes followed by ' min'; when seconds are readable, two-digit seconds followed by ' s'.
5 h 28 min 44 s
